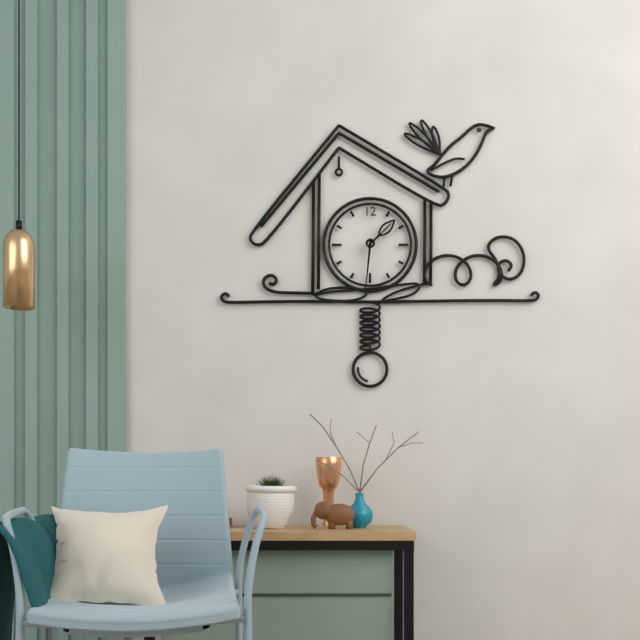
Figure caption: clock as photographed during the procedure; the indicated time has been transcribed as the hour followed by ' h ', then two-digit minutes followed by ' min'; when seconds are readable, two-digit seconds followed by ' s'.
1 h 31 min
